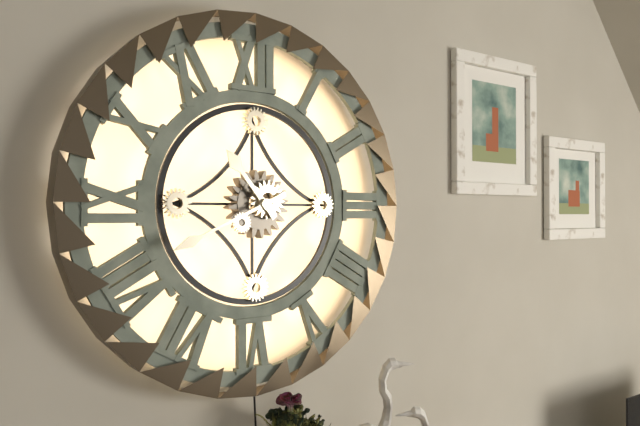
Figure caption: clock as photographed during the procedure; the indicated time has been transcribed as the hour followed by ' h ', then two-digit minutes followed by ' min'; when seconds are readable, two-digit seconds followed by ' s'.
10 h 41 min
